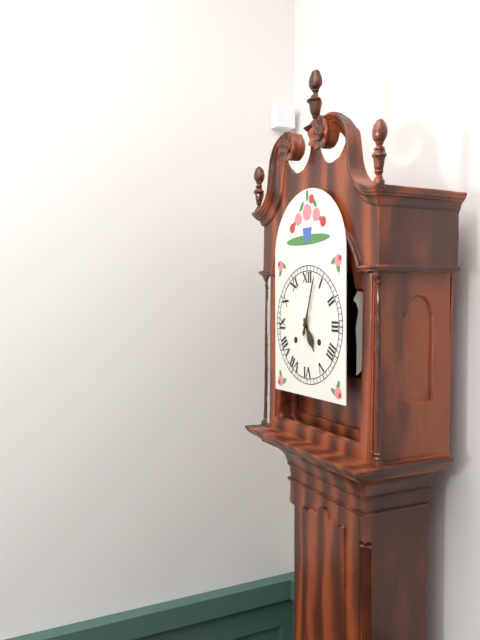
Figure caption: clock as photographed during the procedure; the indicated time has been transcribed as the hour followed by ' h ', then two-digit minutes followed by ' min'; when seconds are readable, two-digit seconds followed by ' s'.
5 h 03 min
